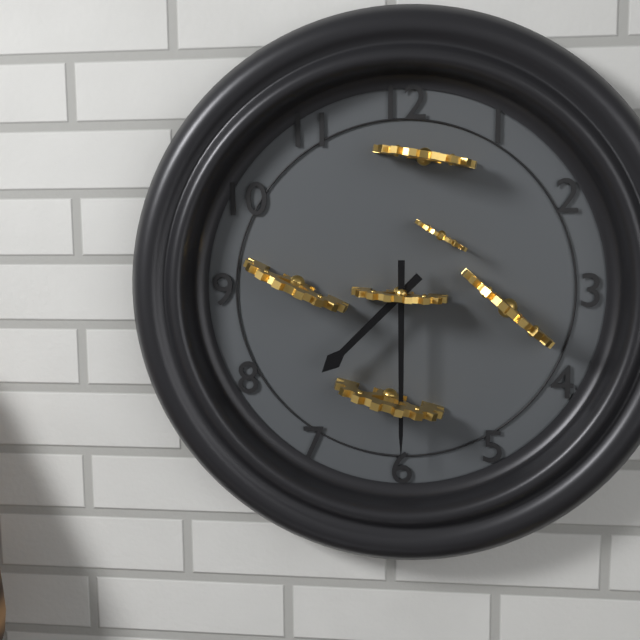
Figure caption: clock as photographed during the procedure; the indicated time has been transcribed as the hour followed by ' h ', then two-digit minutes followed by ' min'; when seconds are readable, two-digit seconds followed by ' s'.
7 h 30 min
